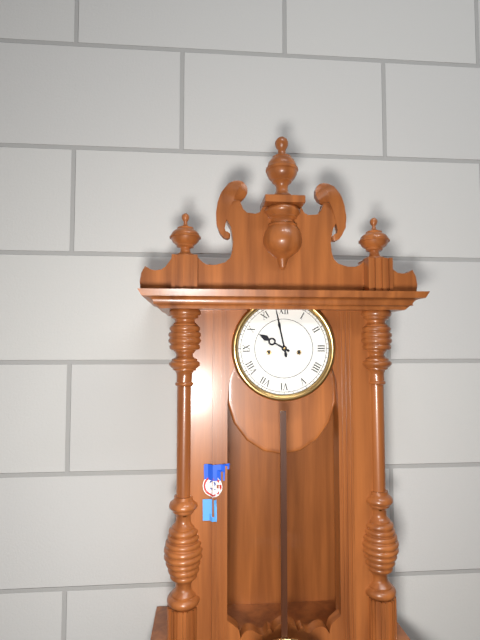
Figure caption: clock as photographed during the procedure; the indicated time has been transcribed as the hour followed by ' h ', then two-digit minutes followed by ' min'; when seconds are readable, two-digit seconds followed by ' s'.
9 h 58 min
